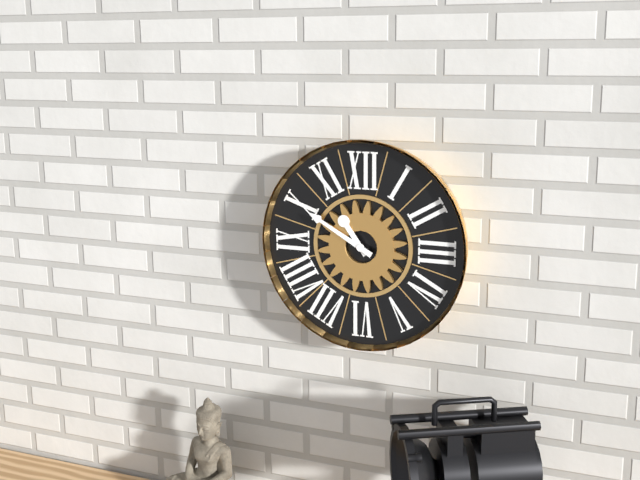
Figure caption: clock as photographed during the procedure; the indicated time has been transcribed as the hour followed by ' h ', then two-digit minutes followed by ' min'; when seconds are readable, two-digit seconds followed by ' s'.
10 h 50 min
